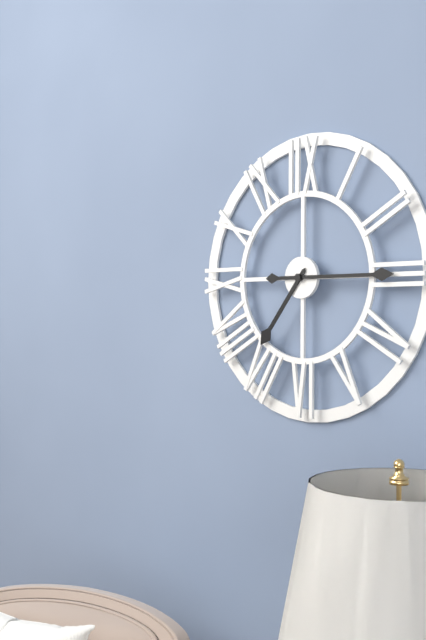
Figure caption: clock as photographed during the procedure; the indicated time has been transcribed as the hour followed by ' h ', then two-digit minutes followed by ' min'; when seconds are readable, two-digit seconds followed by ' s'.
7 h 15 min
